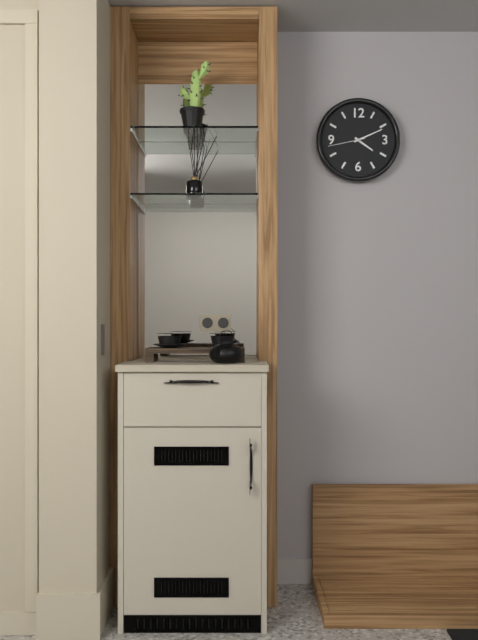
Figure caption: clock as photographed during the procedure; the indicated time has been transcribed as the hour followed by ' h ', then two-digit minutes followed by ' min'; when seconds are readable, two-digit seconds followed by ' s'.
4 h 11 min
